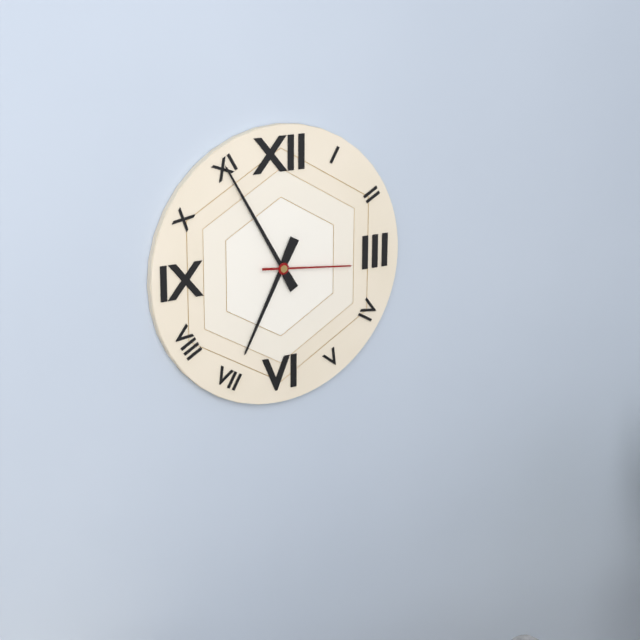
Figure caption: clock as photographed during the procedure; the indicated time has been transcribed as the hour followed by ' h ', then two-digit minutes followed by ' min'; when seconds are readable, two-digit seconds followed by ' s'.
6 h 55 min 16 s
